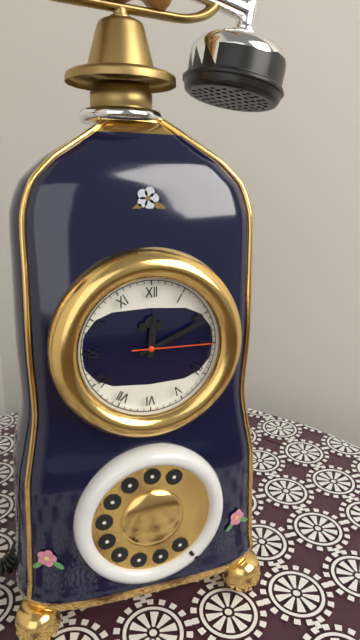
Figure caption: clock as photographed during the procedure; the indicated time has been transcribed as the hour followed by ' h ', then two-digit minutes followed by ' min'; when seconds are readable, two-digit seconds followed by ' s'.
12 h 11 min 15 s
